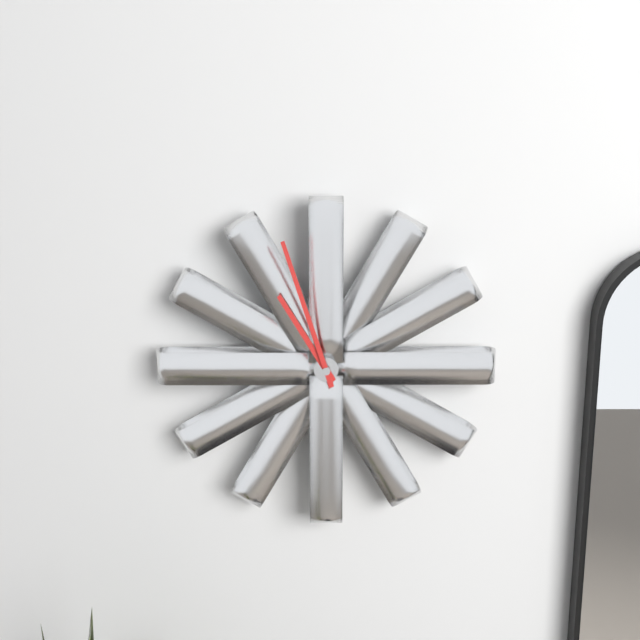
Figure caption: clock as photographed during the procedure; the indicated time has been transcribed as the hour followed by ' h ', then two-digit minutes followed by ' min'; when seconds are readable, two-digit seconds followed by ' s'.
10 h 57 min
